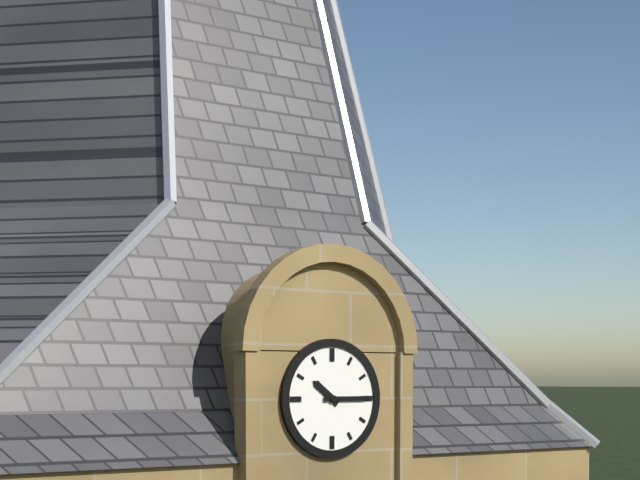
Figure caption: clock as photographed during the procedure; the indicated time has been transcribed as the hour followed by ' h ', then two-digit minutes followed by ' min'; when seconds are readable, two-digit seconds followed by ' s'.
10 h 15 min
